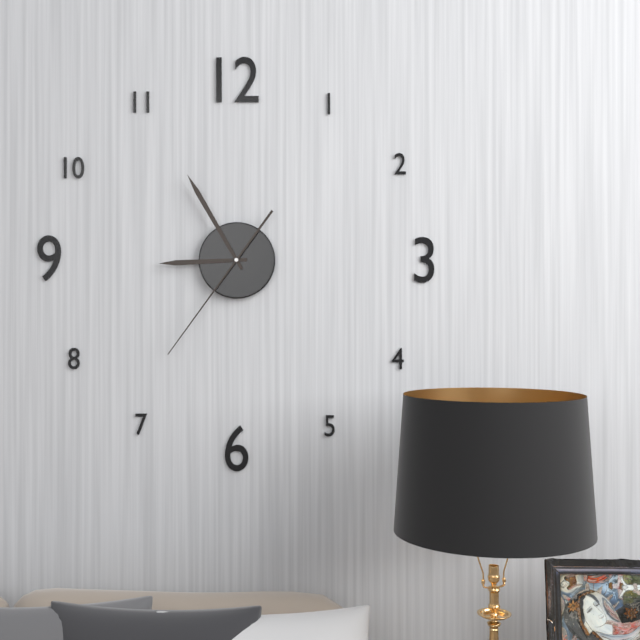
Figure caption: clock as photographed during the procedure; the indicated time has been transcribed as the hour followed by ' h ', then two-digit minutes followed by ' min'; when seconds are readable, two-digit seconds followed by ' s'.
8 h 55 min 36 s
